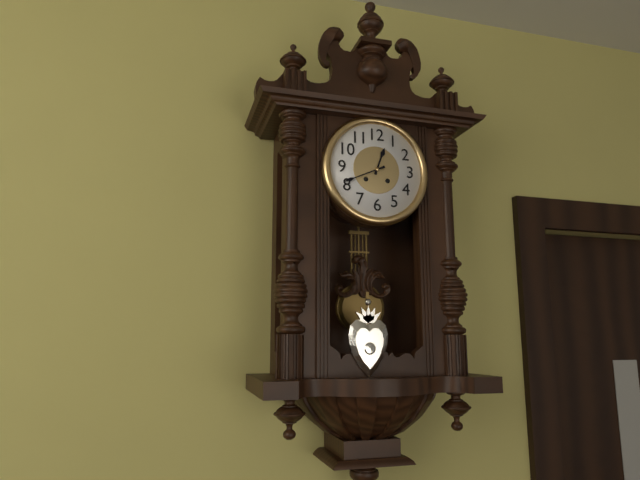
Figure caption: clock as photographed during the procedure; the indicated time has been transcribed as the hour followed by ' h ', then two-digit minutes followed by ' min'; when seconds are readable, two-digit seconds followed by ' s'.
12 h 41 min
